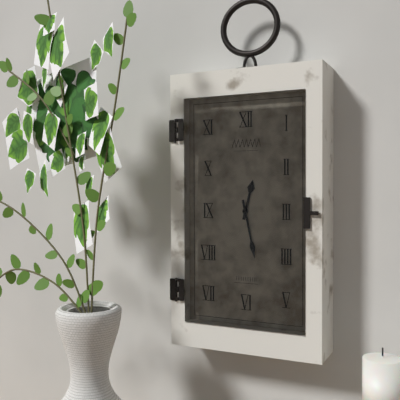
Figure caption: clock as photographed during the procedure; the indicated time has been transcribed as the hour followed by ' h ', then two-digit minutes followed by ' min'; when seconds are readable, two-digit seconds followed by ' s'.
12 h 28 min
